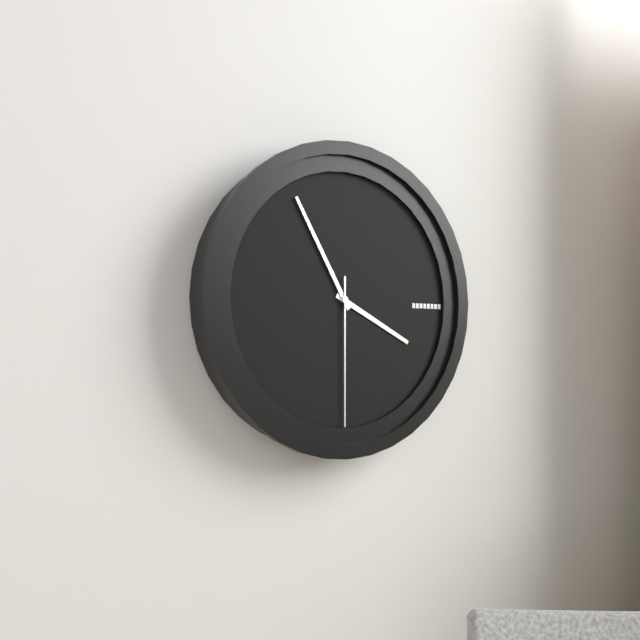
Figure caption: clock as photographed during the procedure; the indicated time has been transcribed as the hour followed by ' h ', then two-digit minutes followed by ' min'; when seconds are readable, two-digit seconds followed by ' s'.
3 h 55 min 30 s
